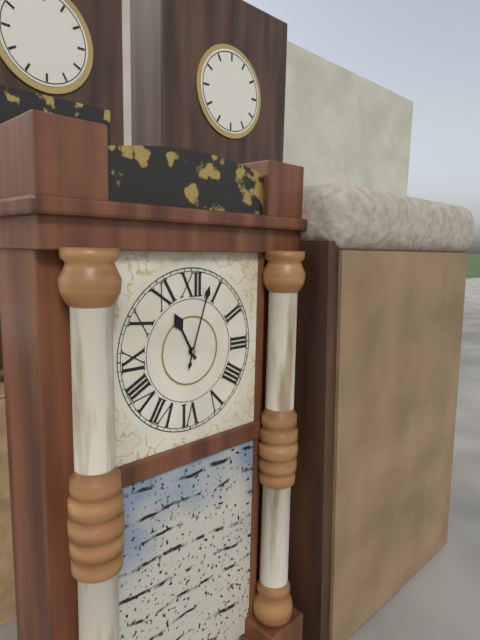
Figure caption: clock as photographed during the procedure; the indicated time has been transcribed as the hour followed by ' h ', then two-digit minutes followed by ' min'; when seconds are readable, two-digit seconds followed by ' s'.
11 h 03 min
